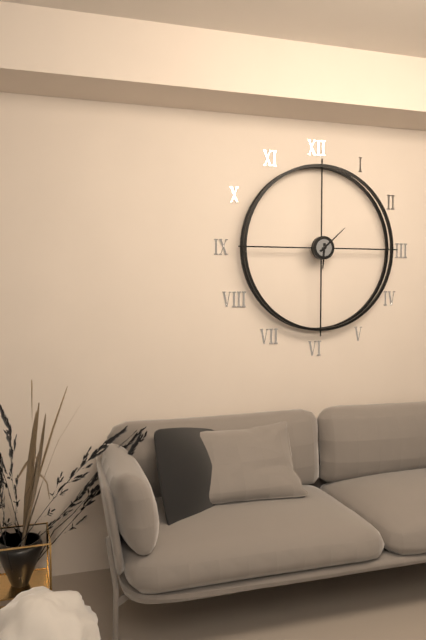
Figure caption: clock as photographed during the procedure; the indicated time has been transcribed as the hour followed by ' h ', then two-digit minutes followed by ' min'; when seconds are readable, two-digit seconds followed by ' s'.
6 h 08 min
